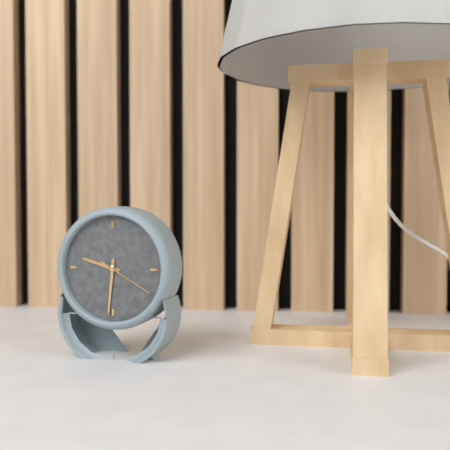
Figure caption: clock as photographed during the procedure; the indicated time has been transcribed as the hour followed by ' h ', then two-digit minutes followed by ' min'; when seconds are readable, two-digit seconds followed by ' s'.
9 h 31 min 20 s
